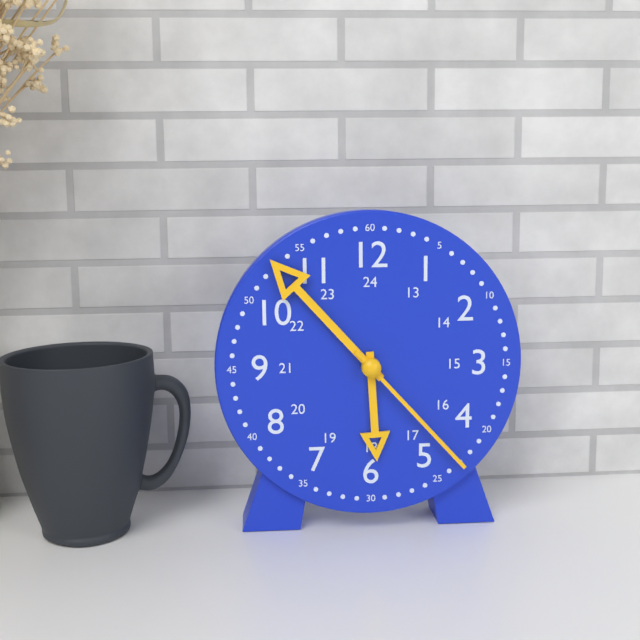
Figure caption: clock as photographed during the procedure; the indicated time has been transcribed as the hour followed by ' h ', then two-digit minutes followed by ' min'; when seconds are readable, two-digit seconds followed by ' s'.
5 h 53 min 23 s
